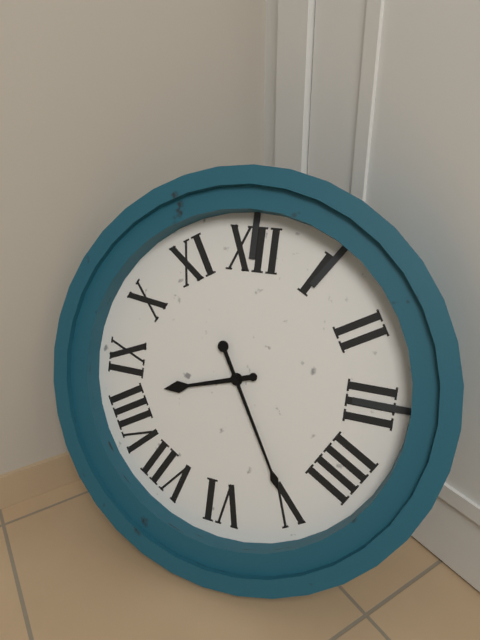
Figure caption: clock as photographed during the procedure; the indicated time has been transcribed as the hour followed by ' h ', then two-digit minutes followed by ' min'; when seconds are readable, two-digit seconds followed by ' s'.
8 h 25 min
